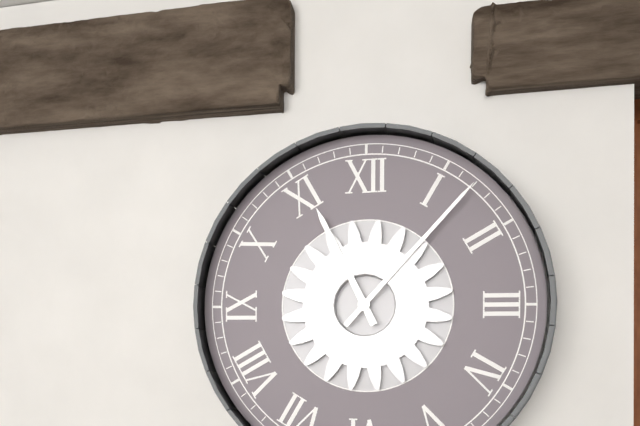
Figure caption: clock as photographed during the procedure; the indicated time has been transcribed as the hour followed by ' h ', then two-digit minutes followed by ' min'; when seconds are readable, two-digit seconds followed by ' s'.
11 h 07 min
